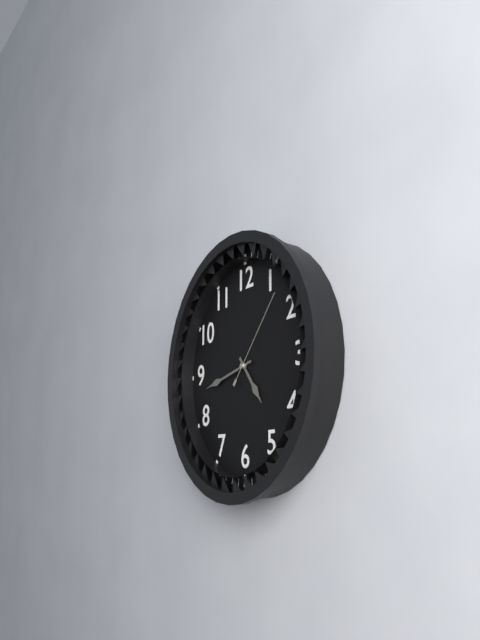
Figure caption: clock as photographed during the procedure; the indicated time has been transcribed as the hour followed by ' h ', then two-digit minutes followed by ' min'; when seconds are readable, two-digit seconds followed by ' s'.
4 h 43 min 07 s
